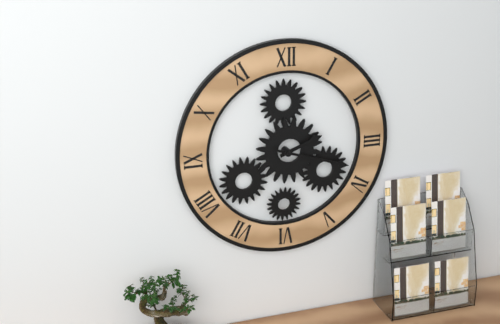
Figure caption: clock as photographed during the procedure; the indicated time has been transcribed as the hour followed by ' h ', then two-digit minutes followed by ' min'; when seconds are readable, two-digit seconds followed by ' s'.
2 h 18 min
